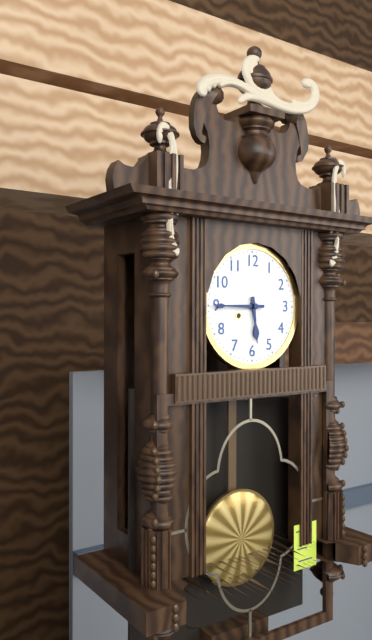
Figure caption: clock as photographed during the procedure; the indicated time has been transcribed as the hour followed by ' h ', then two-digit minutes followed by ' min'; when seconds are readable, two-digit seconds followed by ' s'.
5 h 45 min
